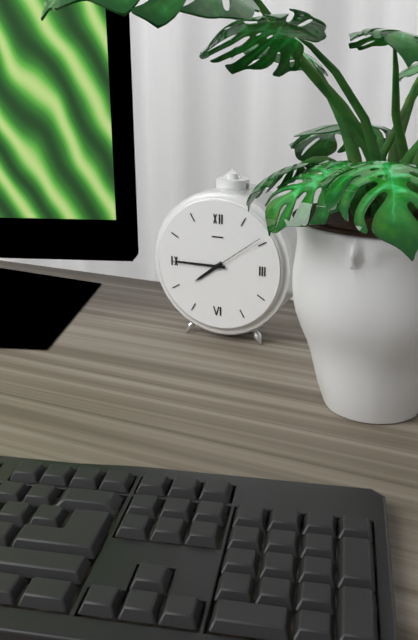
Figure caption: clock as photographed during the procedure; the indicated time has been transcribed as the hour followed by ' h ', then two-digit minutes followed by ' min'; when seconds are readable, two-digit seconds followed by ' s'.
7 h 45 min 09 s
